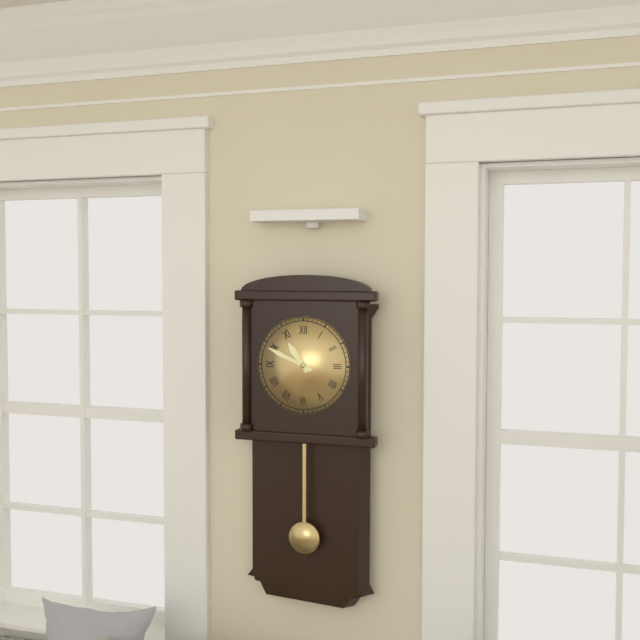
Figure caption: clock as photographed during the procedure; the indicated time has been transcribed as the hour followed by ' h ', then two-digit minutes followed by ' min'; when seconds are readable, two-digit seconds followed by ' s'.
10 h 49 min
